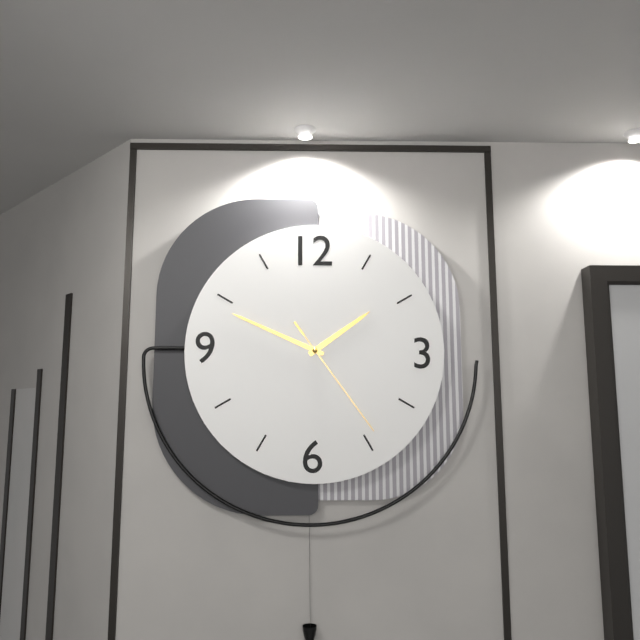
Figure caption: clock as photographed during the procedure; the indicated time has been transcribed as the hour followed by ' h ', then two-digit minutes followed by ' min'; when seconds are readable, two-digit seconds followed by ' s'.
1 h 49 min 24 s
